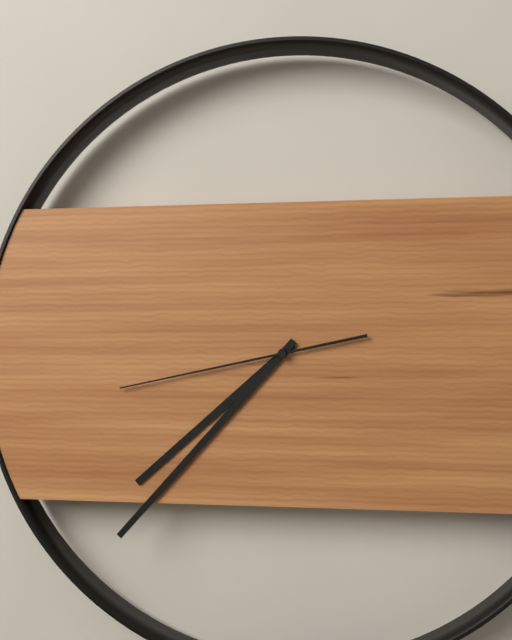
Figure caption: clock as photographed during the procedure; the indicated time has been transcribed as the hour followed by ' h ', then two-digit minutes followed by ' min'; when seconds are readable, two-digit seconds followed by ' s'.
7 h 37 min 43 s
